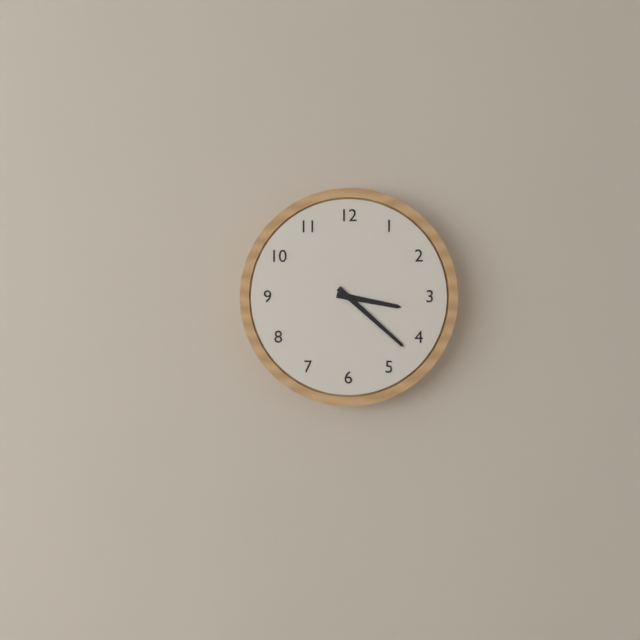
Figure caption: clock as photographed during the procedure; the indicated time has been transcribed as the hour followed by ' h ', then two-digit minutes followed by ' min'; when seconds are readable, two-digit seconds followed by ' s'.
3 h 22 min
